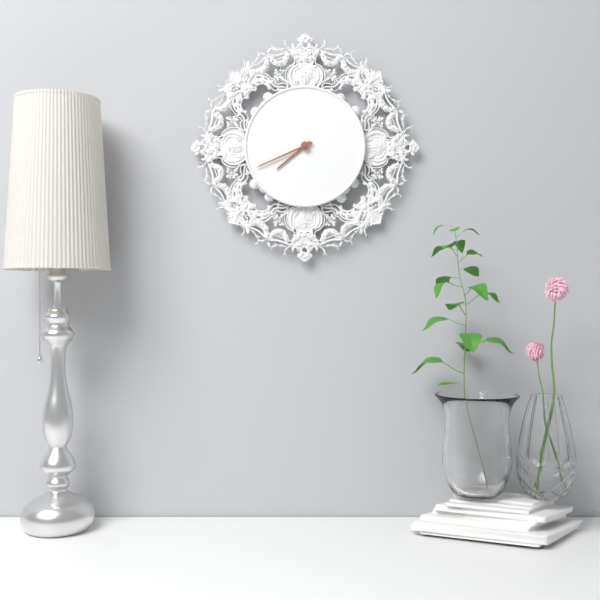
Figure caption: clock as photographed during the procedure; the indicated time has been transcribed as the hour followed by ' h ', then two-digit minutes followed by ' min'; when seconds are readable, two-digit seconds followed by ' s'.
7 h 41 min
